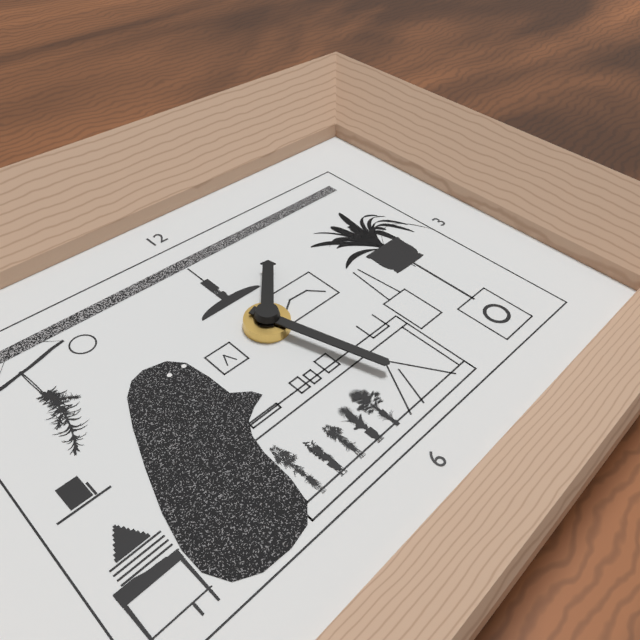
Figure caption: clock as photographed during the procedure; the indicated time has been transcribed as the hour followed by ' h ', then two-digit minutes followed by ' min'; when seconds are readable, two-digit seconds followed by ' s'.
1 h 27 min
